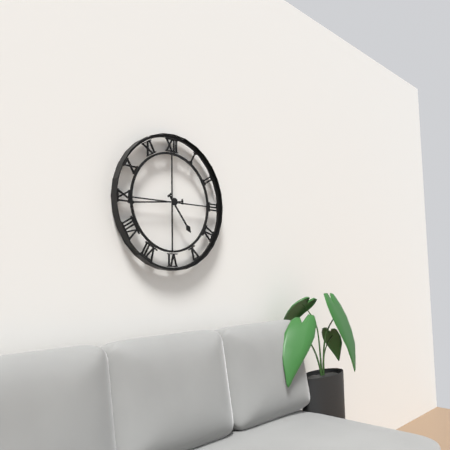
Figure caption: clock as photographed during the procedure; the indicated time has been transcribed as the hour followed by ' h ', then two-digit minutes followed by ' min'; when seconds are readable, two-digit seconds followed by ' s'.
4 h 44 min
